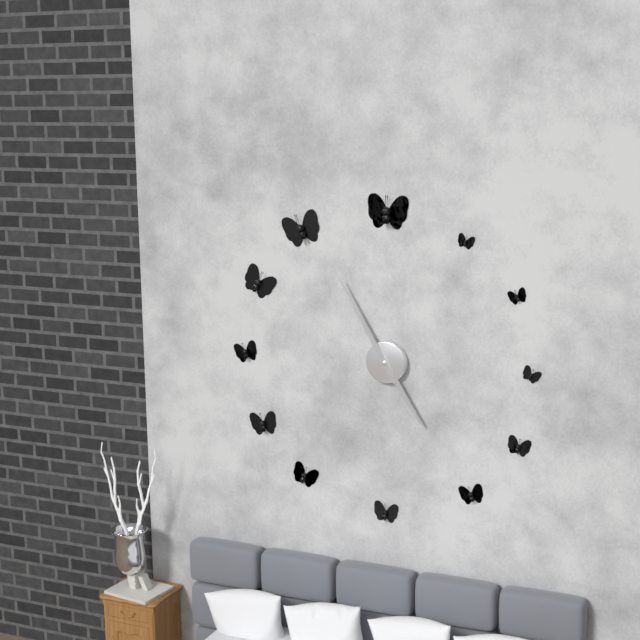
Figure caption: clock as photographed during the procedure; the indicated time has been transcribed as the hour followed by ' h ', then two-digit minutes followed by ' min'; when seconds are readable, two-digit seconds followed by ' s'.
4 h 55 min
